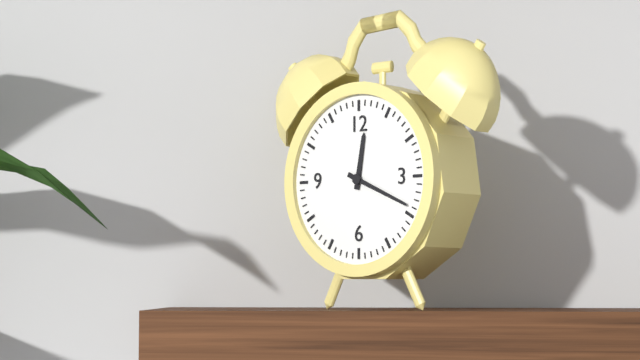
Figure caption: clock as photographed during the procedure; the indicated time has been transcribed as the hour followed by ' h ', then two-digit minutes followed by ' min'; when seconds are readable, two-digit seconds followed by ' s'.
12 h 19 min
